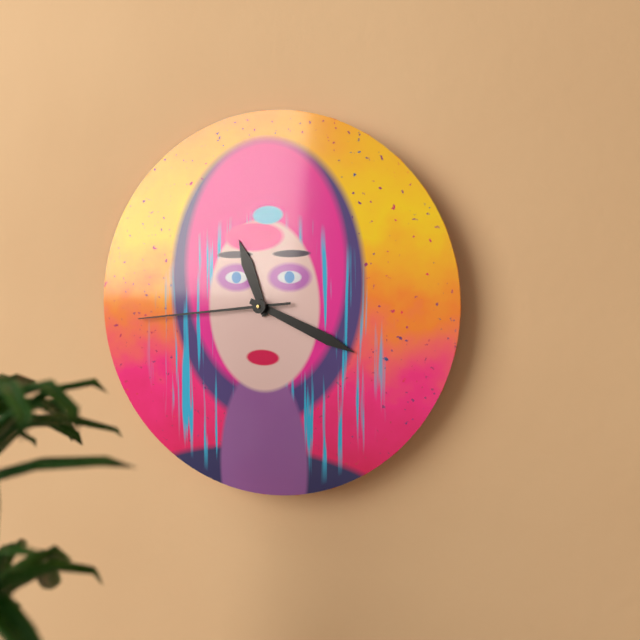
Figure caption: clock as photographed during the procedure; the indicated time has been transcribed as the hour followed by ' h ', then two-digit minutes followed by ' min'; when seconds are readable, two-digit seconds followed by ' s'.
11 h 19 min 44 s
